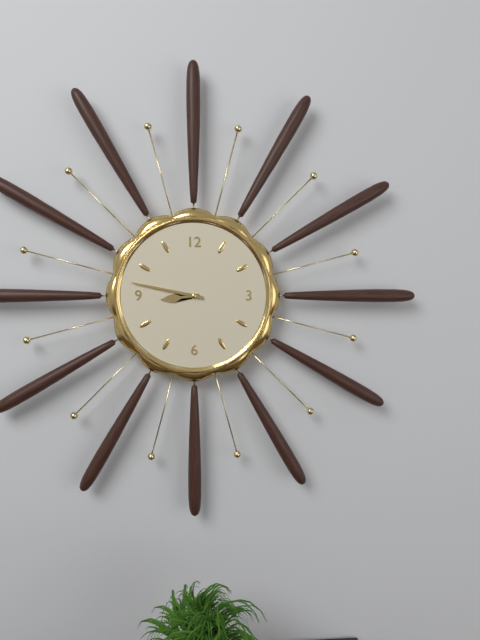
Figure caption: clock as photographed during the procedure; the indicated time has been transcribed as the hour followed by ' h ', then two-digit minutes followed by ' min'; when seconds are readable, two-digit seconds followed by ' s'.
8 h 47 min
